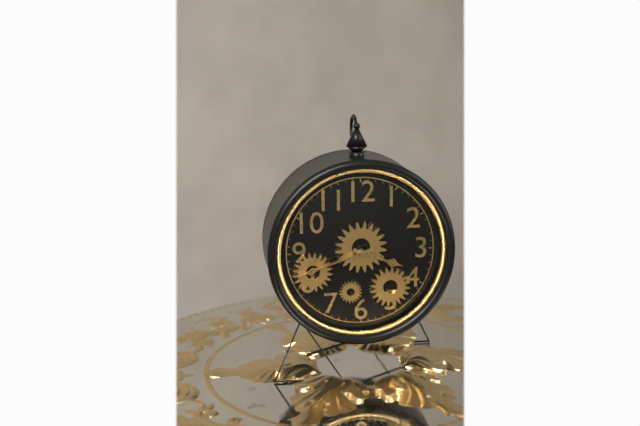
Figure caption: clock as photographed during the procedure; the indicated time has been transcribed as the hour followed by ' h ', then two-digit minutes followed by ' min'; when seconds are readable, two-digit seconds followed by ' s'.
3 h 42 min
